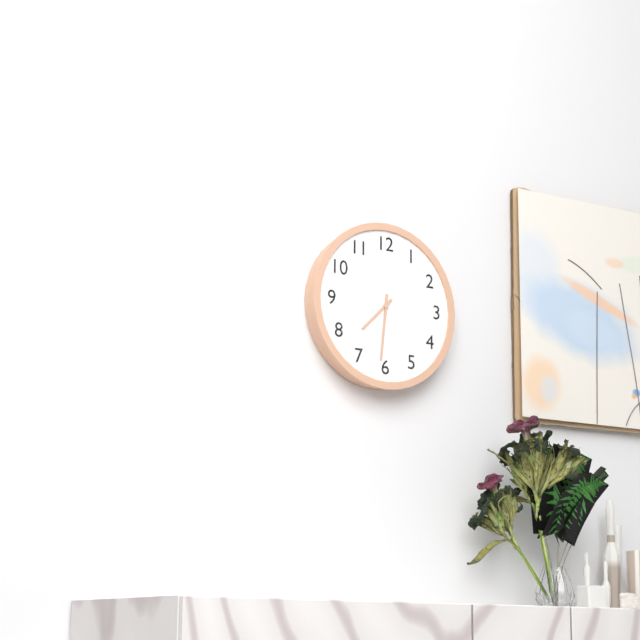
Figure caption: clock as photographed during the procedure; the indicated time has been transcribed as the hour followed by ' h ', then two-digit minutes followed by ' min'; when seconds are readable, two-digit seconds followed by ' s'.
7 h 31 min
